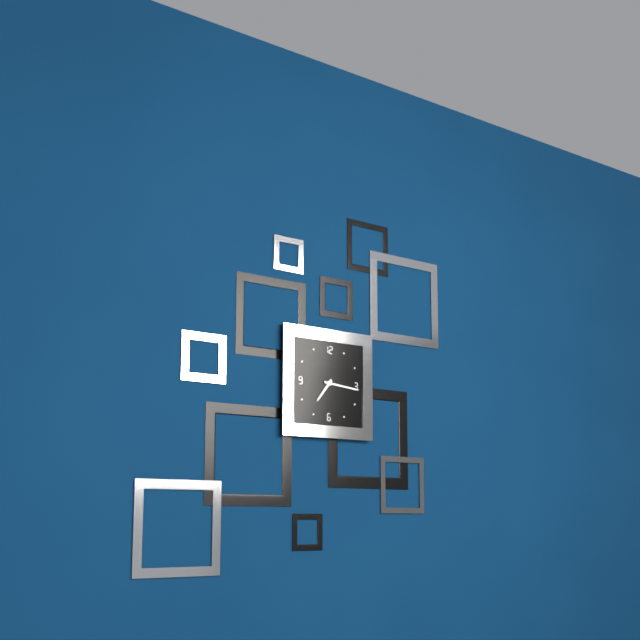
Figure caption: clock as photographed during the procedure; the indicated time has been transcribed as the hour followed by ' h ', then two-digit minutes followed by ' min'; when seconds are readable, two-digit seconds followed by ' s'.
7 h 16 min
